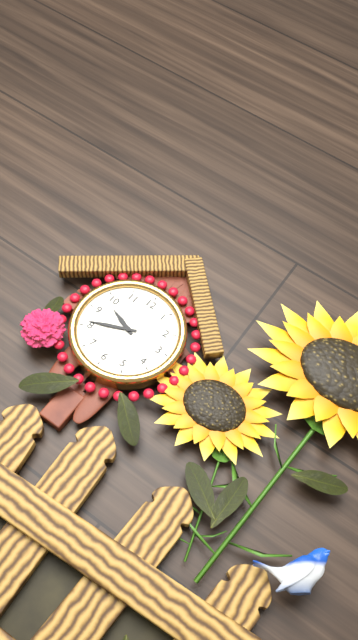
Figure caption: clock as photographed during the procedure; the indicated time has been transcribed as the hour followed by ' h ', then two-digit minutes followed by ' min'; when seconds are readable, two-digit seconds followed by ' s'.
9 h 41 min
